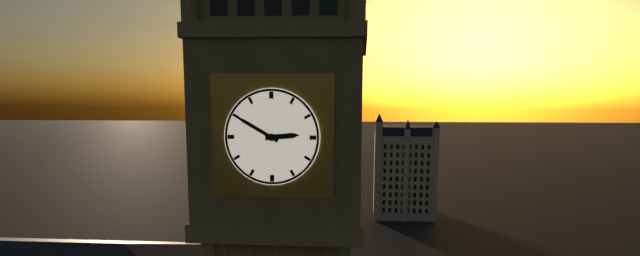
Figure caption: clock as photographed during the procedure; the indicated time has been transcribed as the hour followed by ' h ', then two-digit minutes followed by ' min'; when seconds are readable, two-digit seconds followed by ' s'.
2 h 50 min
